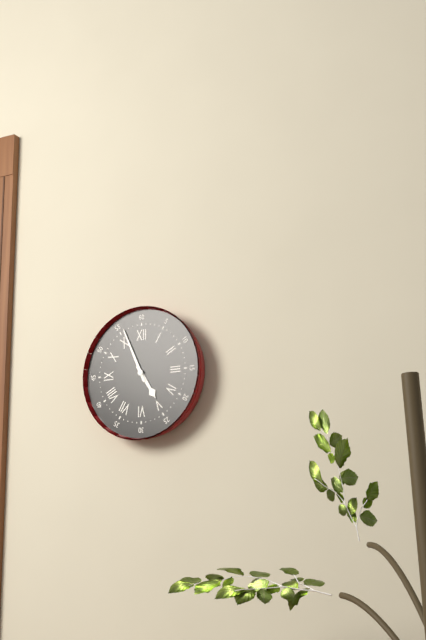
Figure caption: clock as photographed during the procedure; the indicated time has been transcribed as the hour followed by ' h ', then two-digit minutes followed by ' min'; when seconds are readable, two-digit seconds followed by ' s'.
4 h 56 min
